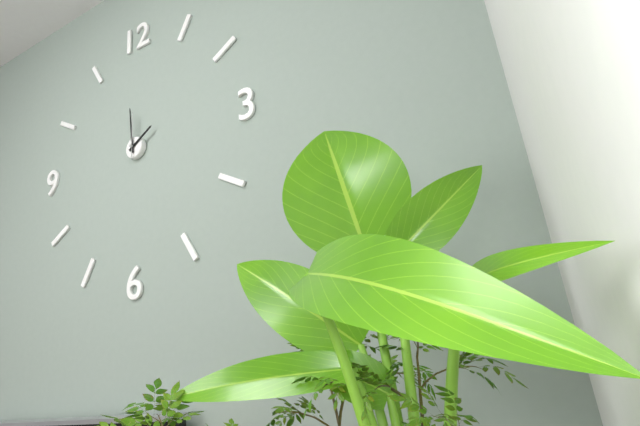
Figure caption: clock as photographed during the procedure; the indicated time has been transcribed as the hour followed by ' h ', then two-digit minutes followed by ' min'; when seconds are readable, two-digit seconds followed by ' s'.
1 h 59 min
